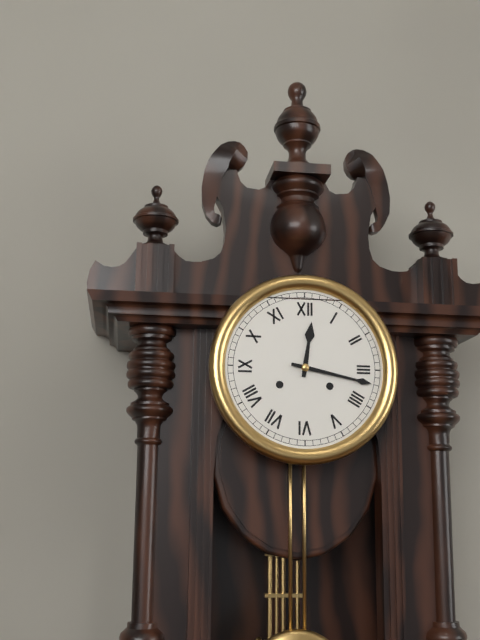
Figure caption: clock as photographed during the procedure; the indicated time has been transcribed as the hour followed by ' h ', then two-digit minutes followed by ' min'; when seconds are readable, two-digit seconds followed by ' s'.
12 h 17 min
